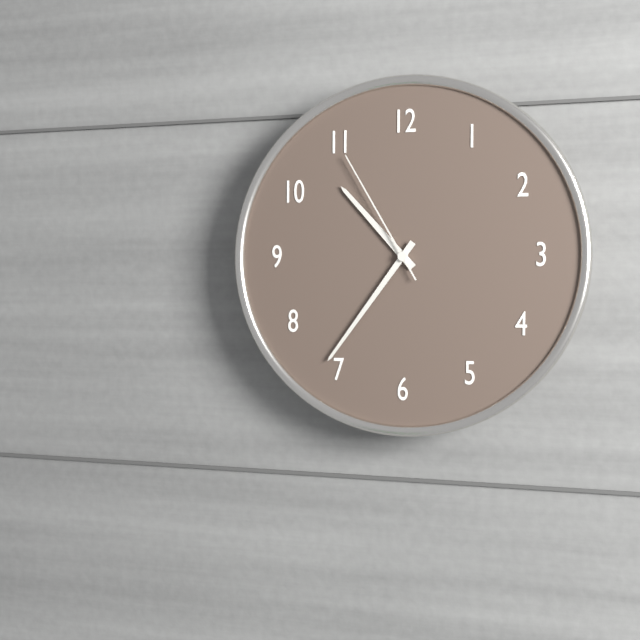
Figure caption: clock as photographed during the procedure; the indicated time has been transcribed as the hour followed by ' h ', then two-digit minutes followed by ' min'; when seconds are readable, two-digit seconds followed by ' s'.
10 h 36 min 55 s
